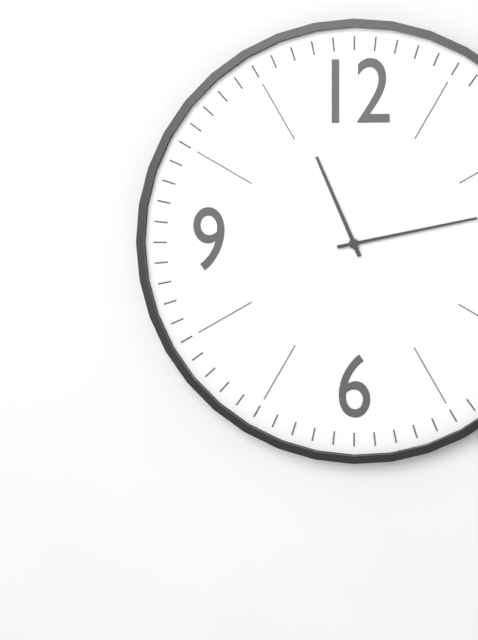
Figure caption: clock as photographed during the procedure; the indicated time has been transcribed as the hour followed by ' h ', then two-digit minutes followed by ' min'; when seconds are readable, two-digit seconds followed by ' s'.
11 h 13 min
